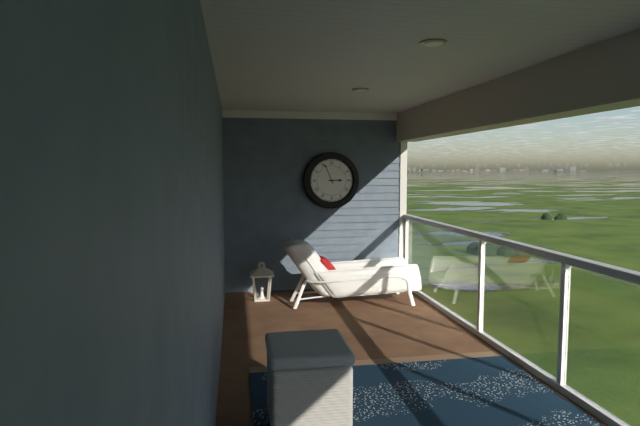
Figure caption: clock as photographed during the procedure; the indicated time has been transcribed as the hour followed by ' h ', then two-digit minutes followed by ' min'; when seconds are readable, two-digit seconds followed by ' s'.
2 h 56 min
